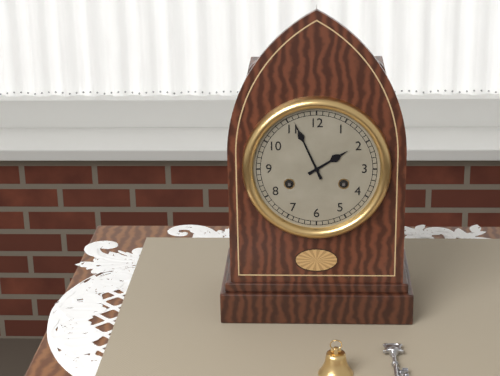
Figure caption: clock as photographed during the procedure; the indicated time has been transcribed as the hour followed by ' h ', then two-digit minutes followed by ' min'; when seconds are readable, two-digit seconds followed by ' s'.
1 h 56 min
